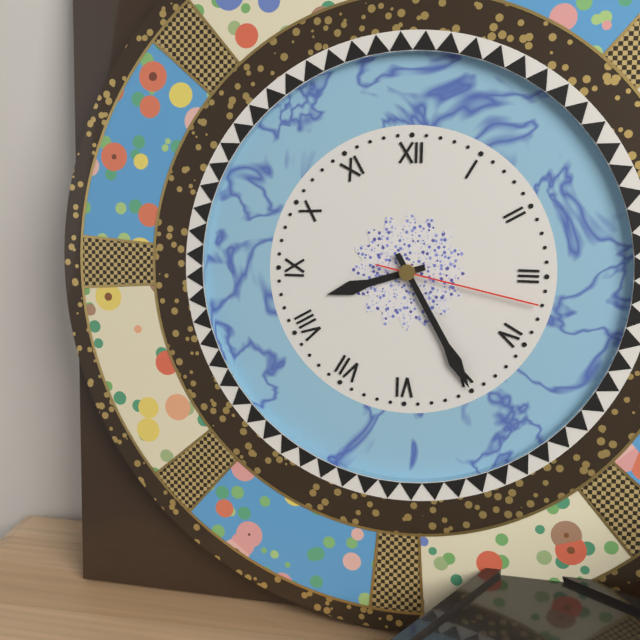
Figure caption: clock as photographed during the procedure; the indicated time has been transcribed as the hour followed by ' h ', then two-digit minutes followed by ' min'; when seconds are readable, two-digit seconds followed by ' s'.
8 h 25 min 17 s
